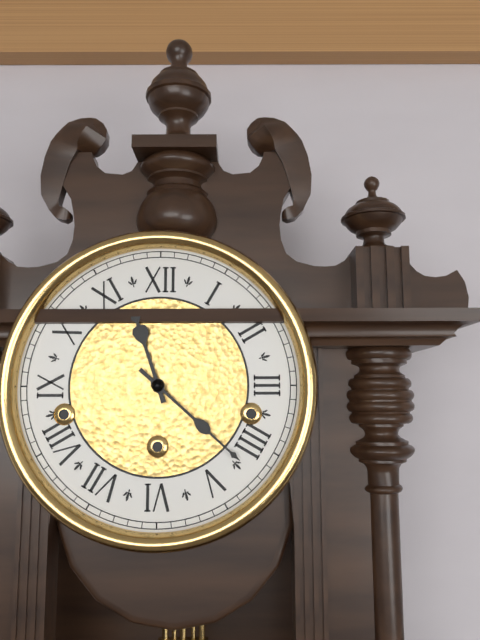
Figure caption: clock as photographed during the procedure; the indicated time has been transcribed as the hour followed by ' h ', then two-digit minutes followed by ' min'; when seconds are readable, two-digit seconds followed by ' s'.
11 h 22 min
